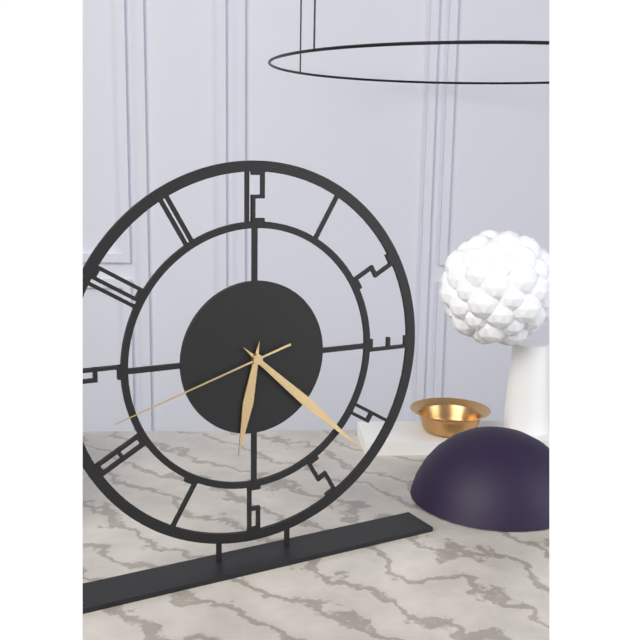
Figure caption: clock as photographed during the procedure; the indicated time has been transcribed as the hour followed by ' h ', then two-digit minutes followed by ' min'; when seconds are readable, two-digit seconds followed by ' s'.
6 h 22 min 42 s
